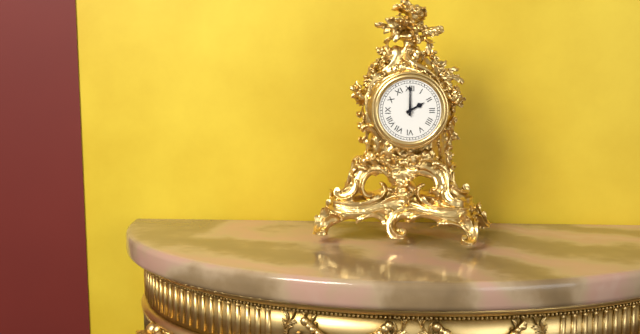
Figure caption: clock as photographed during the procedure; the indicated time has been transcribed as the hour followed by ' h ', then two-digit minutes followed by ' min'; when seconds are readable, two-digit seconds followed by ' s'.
2 h 00 min
